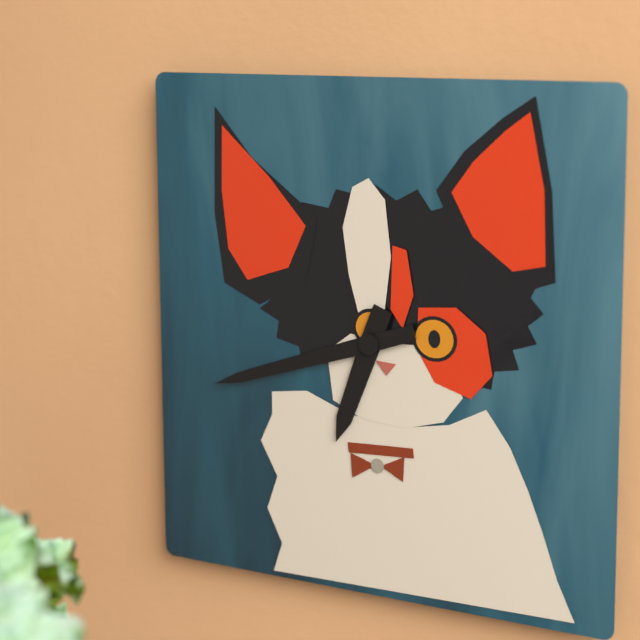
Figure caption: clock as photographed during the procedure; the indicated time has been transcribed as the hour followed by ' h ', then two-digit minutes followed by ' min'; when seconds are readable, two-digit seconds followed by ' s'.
6 h 42 min
